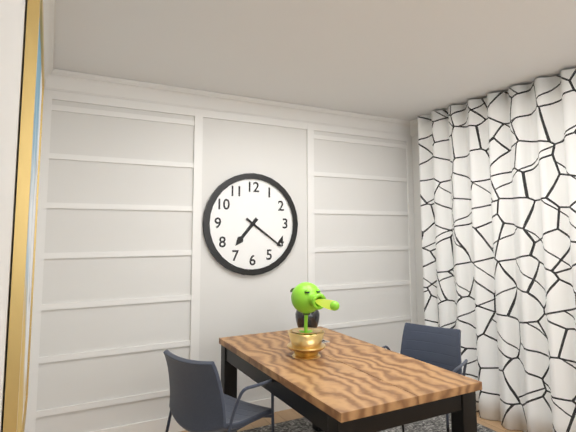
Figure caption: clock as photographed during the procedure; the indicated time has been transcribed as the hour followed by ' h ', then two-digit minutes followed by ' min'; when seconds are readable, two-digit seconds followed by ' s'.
7 h 21 min
